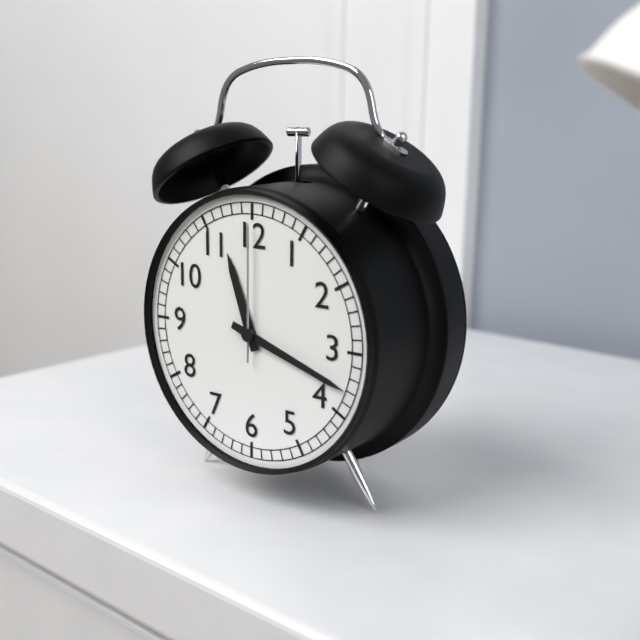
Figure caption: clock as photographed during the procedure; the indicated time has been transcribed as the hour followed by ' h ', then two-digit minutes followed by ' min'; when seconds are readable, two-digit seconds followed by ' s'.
11 h 18 min 00 s
